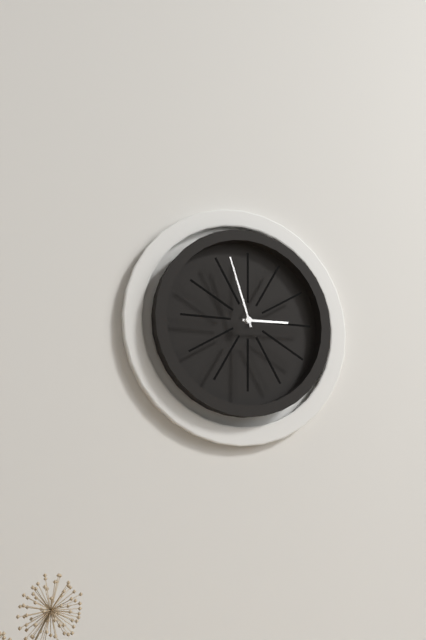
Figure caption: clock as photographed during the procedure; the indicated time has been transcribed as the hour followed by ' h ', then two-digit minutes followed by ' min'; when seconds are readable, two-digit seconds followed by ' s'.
2 h 57 min
